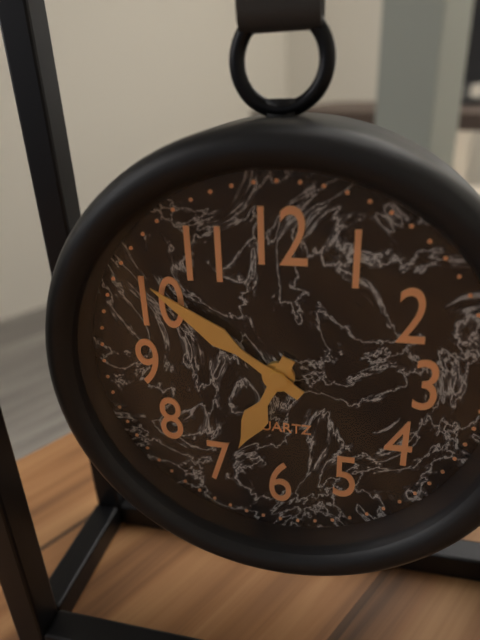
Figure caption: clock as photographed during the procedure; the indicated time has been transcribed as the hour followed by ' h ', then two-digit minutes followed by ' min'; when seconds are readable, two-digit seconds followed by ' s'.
6 h 51 min
